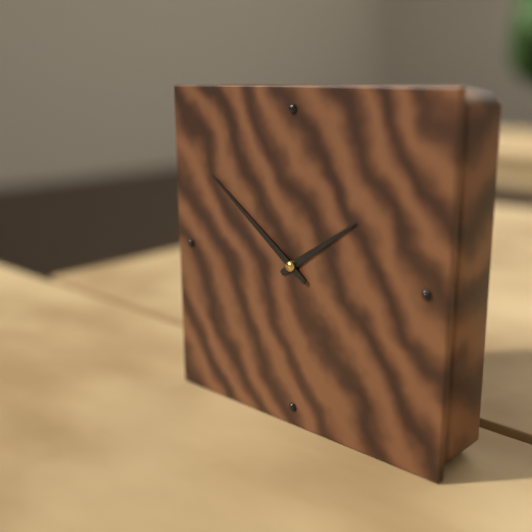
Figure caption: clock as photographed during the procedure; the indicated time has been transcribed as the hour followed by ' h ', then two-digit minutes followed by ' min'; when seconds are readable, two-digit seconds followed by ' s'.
1 h 51 min
